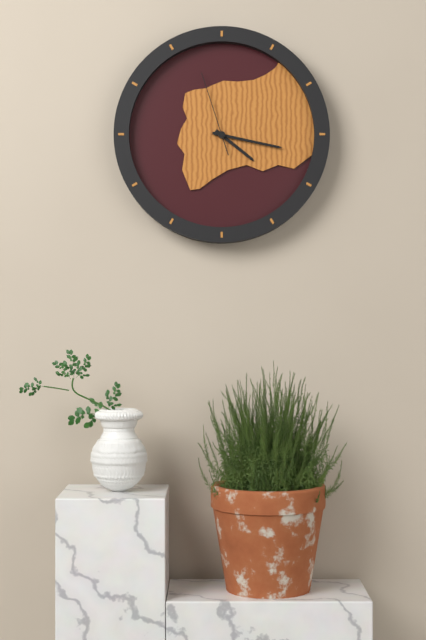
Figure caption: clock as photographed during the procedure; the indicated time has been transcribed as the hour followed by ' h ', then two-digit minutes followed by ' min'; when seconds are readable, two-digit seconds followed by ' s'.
4 h 17 min 57 s
